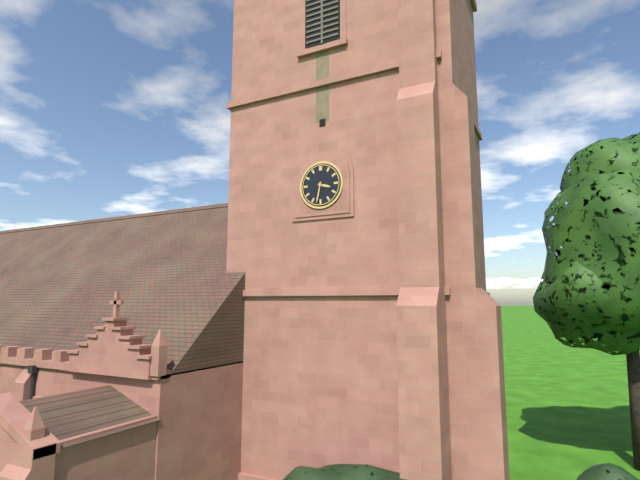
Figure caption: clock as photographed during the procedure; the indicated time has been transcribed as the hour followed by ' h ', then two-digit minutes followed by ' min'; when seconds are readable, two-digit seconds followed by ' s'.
3 h 32 min
